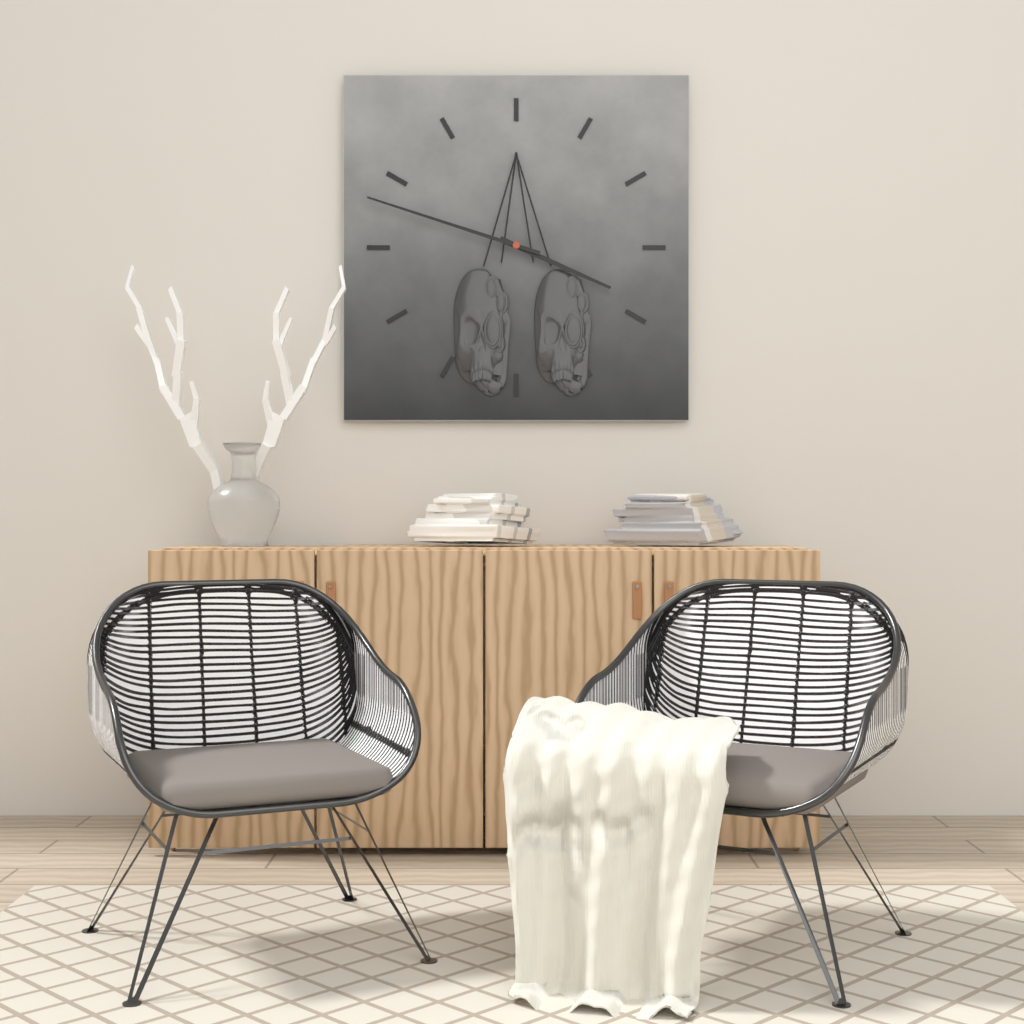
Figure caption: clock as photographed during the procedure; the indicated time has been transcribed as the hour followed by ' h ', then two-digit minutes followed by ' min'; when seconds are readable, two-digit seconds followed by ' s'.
3 h 48 min
